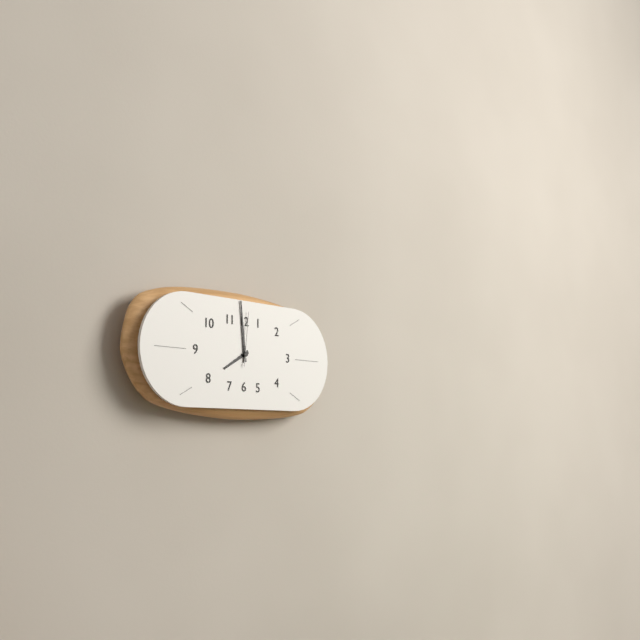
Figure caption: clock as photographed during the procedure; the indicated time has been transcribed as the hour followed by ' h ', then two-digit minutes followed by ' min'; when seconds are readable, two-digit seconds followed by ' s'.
7 h 59 min 01 s
